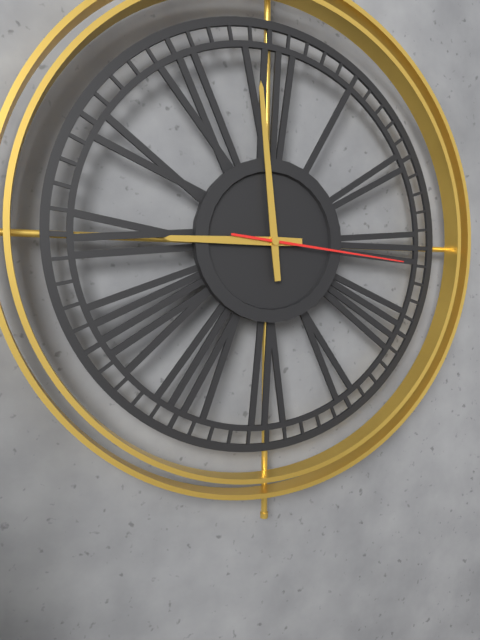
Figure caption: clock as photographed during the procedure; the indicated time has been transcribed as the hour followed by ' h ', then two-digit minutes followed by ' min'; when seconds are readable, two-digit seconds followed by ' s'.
8 h 59 min 16 s
